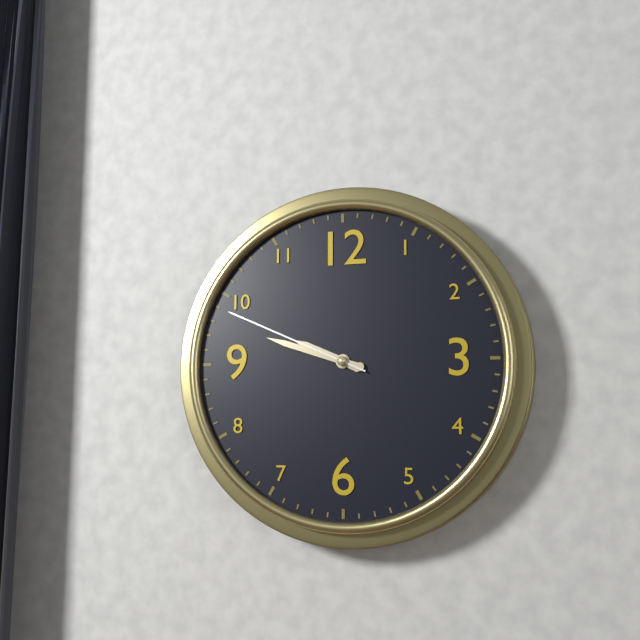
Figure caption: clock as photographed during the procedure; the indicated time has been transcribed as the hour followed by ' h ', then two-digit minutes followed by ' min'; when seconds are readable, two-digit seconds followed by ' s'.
9 h 48 min 49 s
